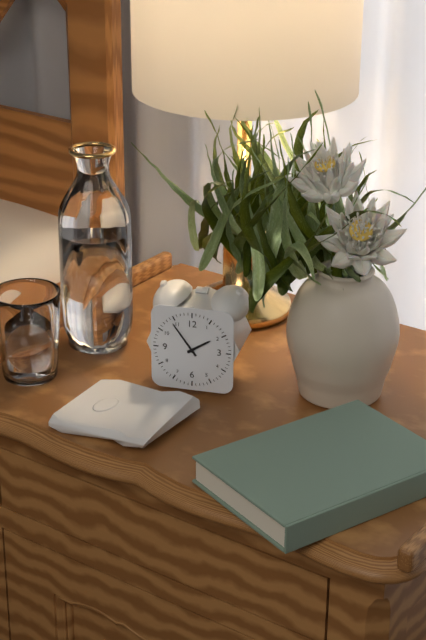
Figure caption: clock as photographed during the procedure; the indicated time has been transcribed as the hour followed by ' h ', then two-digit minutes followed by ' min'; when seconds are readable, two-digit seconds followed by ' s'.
1 h 54 min
